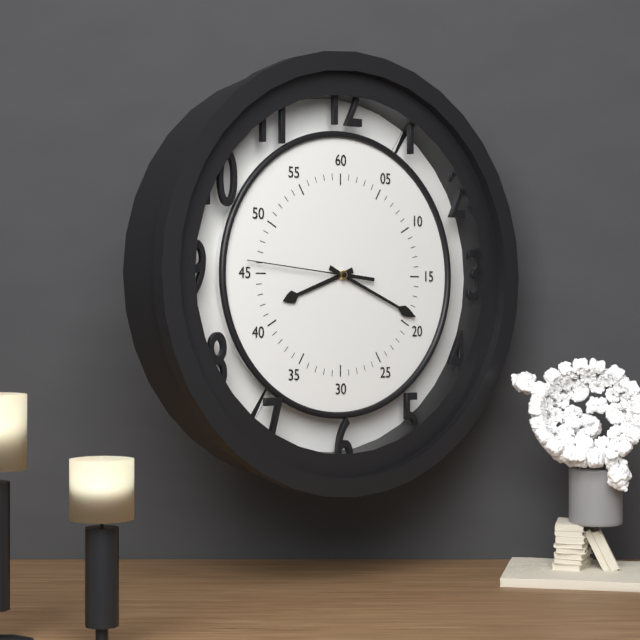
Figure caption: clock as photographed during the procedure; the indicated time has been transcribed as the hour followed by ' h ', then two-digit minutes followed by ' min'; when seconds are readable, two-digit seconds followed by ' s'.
8 h 19 min 46 s
